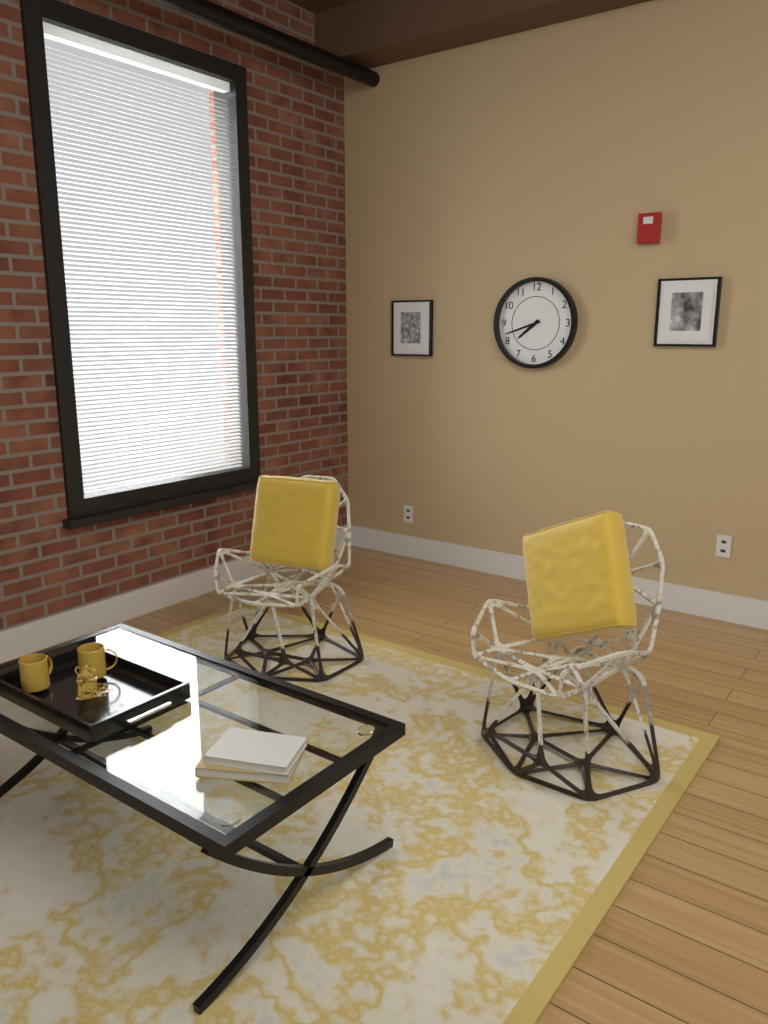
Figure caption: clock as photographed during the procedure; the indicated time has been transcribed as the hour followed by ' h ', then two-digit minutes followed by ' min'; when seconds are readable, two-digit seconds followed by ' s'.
7 h 42 min
